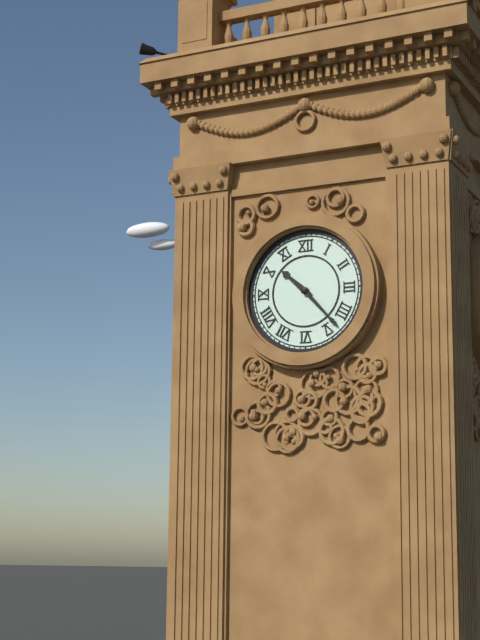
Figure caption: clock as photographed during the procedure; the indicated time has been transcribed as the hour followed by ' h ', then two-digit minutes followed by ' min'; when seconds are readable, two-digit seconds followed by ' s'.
10 h 23 min
